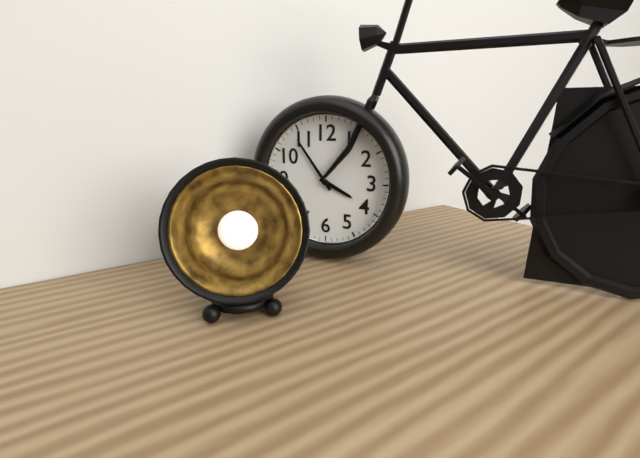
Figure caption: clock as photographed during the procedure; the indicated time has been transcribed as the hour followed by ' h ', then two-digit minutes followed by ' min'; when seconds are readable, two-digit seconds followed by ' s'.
3 h 54 min
